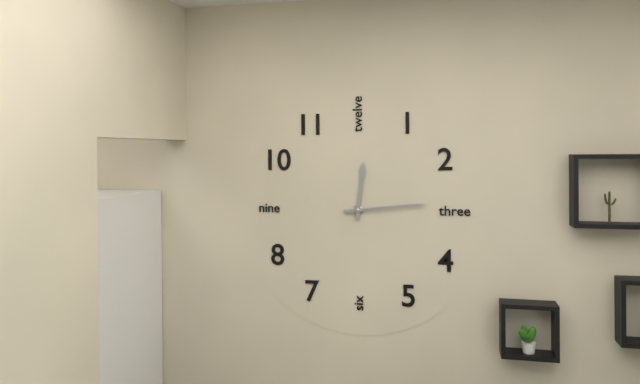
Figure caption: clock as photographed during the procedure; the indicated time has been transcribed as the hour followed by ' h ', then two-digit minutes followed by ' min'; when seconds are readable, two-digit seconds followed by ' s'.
12 h 14 min
